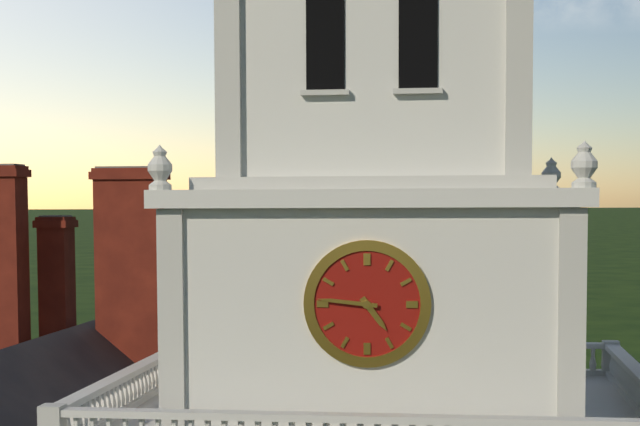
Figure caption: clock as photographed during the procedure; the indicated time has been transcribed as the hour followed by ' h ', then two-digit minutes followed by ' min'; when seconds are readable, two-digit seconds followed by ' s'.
4 h 46 min
